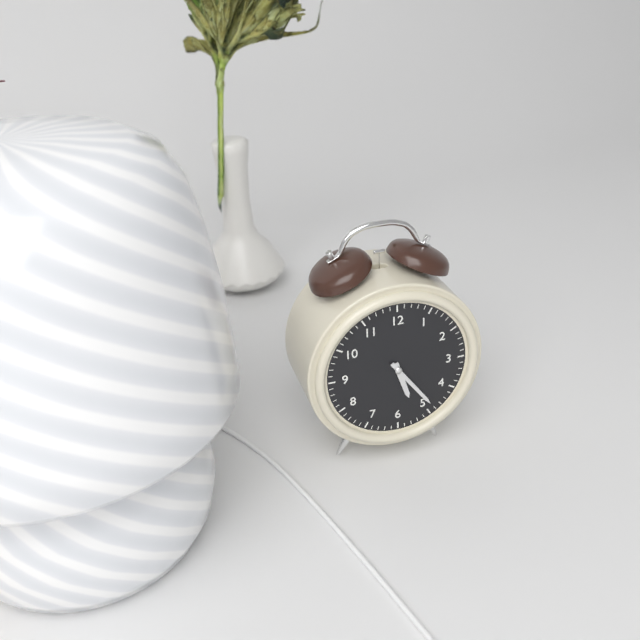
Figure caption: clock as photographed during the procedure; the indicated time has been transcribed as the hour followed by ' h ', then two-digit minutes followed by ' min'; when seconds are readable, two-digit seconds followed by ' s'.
5 h 24 min
